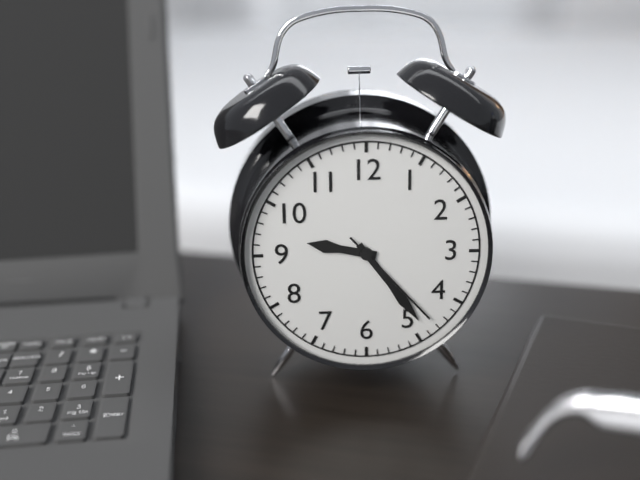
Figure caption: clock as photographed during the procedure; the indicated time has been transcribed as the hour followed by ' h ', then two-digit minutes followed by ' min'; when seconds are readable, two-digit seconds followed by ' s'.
9 h 24 min 23 s
